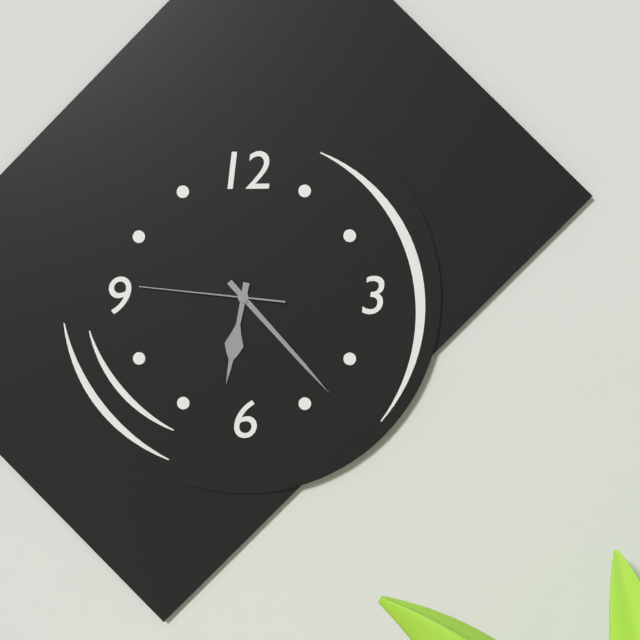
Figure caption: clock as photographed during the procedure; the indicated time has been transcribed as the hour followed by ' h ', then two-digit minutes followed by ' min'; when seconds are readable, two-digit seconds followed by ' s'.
6 h 23 min 46 s
